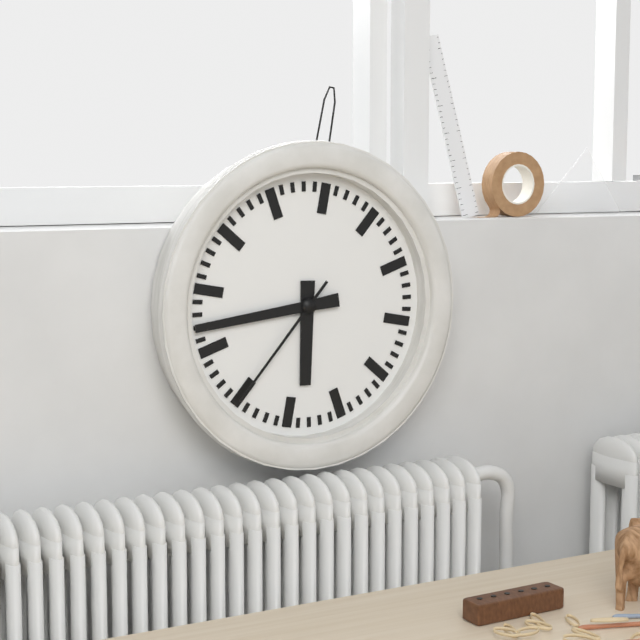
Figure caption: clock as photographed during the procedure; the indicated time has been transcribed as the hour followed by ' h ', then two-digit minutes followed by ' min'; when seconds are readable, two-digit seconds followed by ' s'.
5 h 42 min 35 s
